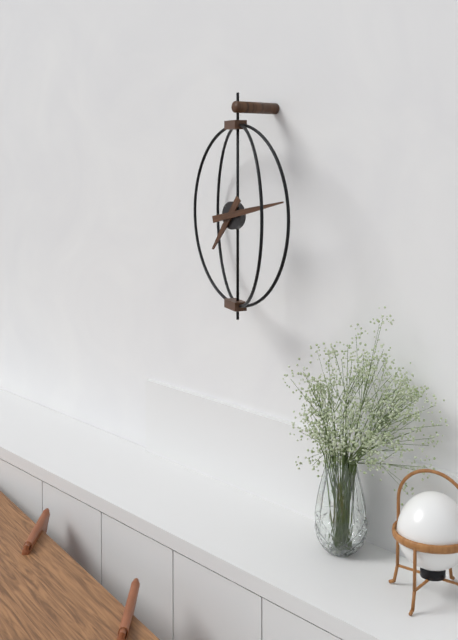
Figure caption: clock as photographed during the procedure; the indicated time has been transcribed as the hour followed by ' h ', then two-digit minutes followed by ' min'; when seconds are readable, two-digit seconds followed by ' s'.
7 h 13 min
